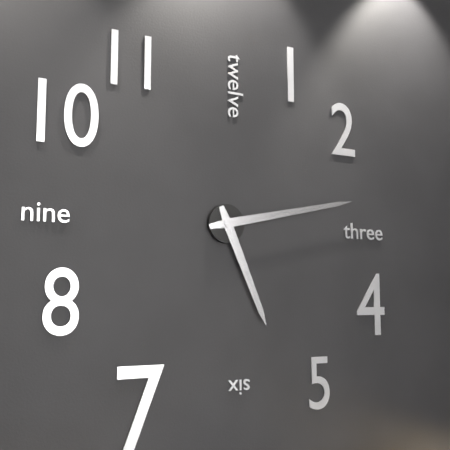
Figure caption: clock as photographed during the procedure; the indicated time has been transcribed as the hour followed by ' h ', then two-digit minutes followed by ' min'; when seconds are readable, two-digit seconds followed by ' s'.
5 h 13 min
